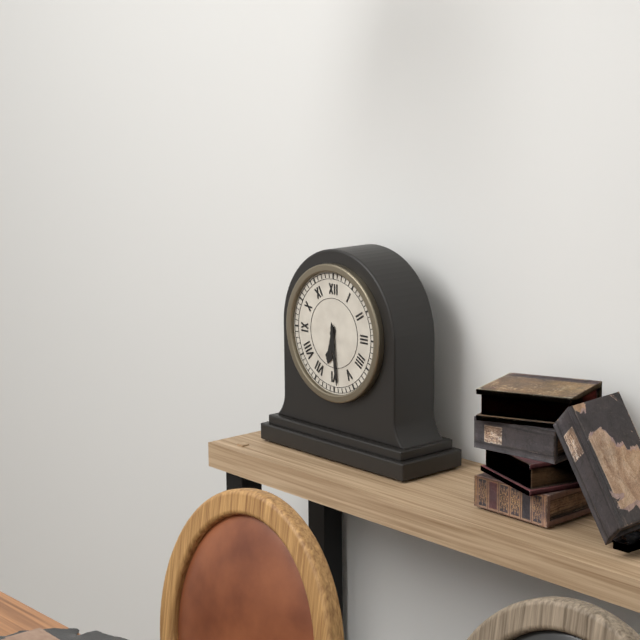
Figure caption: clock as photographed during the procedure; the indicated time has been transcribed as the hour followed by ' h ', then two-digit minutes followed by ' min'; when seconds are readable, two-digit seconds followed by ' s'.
6 h 29 min
